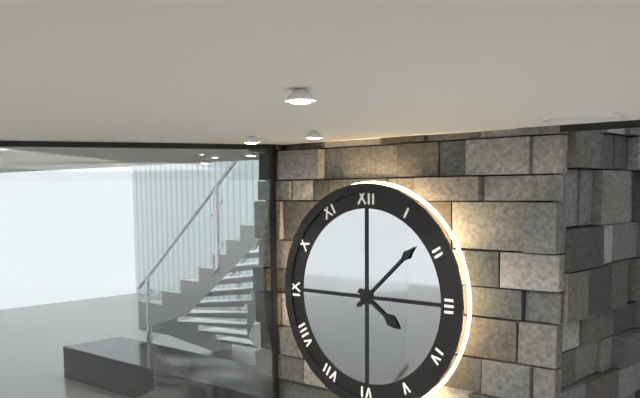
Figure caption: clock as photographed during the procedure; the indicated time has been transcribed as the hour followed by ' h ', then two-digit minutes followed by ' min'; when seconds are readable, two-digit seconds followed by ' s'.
4 h 08 min
